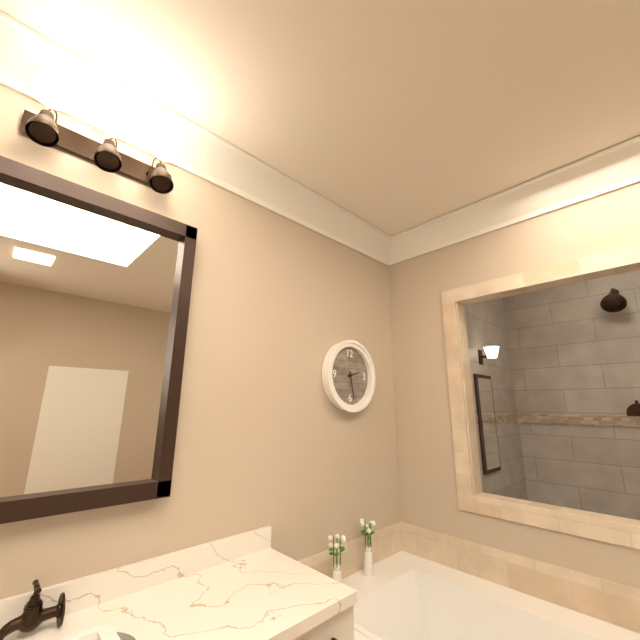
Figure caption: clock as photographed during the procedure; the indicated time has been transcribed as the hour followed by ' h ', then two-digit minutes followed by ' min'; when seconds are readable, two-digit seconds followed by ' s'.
2 h 28 min
